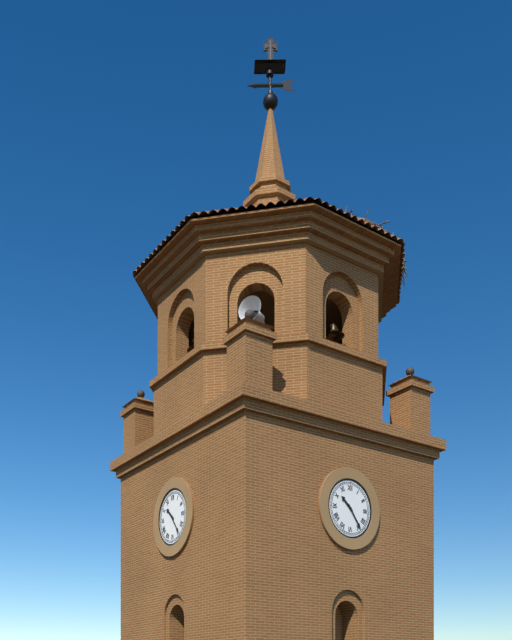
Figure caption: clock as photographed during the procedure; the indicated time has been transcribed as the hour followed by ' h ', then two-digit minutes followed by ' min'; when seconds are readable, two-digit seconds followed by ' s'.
10 h 24 min
